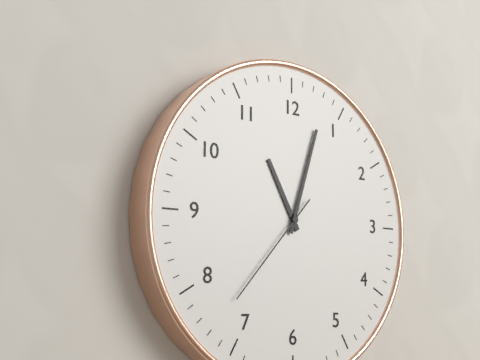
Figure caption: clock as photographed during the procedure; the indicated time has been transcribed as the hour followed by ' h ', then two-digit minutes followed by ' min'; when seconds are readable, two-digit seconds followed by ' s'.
11 h 03 min 37 s
